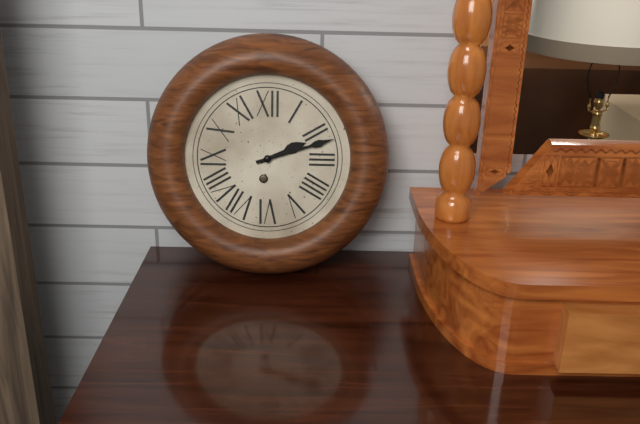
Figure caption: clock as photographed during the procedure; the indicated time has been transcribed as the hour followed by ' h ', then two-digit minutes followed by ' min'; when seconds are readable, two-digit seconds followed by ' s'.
2 h 12 min
